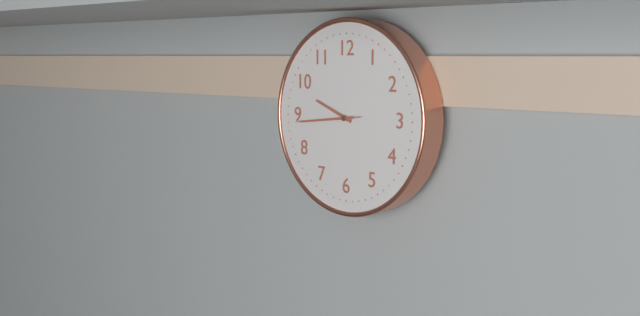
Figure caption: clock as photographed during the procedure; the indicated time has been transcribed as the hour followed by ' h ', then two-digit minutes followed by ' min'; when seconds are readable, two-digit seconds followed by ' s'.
9 h 44 min 44 s
